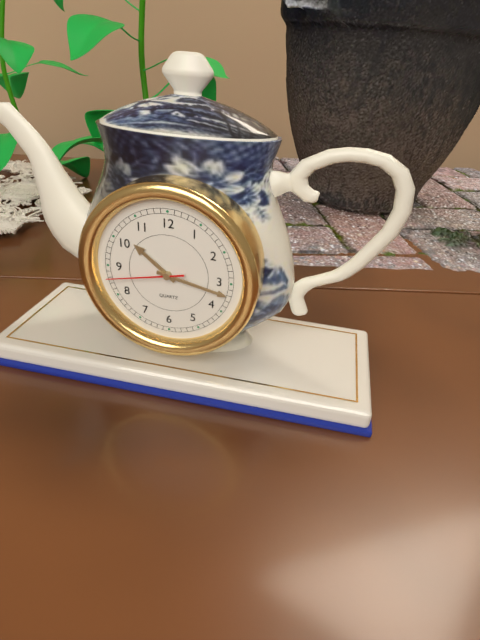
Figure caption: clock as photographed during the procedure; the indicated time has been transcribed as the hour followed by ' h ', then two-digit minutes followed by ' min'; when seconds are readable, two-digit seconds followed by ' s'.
10 h 17 min 43 s
